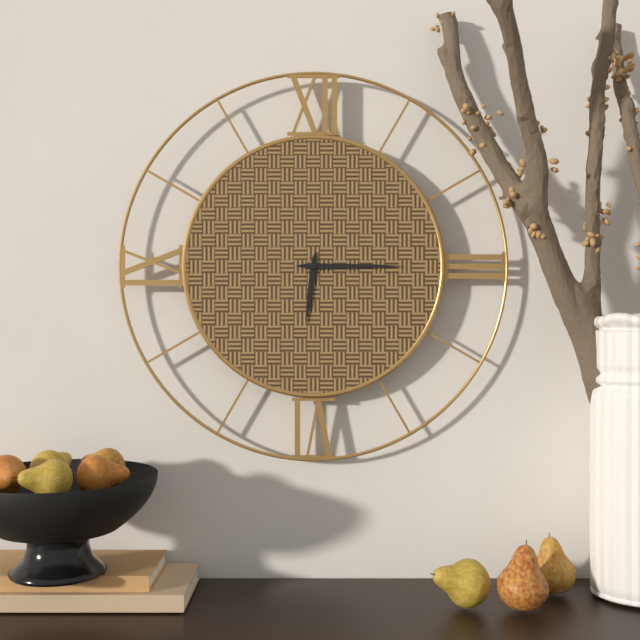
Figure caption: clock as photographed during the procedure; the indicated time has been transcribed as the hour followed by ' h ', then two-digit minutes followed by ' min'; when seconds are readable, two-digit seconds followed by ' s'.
6 h 15 min
